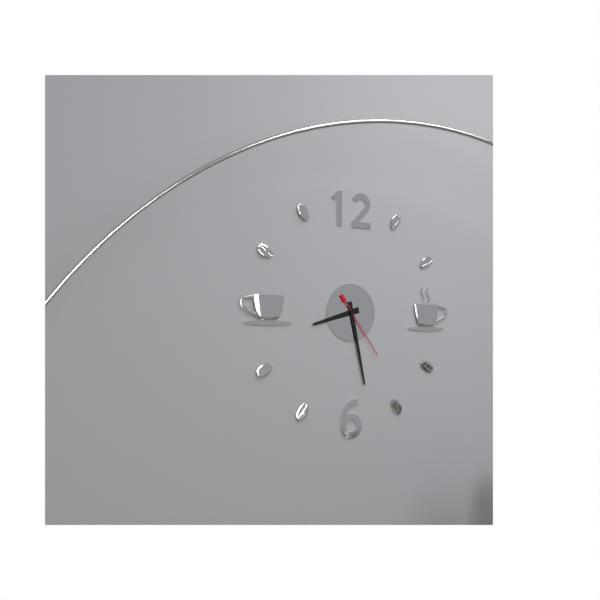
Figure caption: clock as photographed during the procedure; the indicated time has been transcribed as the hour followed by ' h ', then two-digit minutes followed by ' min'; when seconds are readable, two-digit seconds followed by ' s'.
8 h 28 min 24 s
